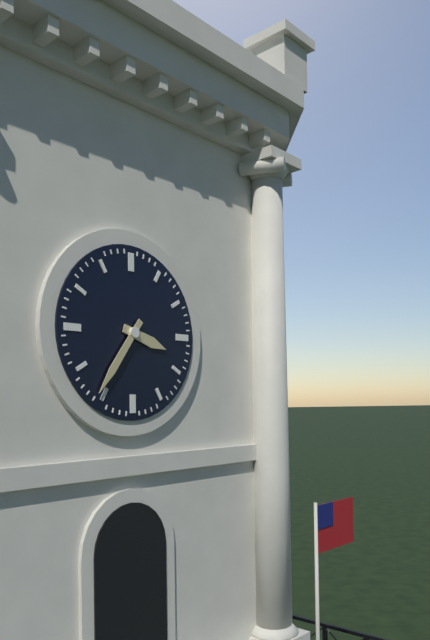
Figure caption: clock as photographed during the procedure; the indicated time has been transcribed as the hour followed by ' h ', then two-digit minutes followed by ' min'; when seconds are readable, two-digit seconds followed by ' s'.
3 h 36 min
